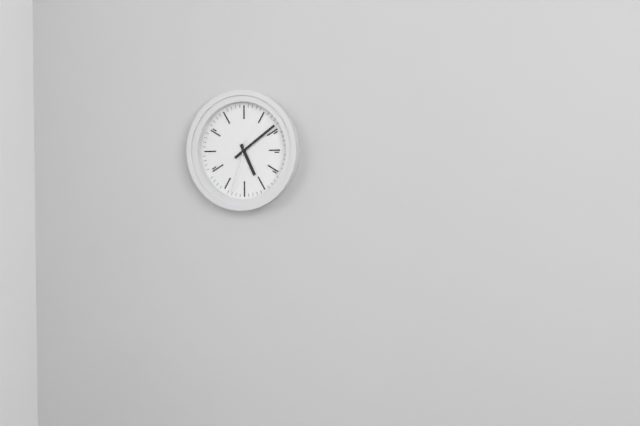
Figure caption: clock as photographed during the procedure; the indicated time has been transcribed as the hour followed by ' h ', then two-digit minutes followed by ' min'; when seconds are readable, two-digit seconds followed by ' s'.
5 h 09 min 33 s
